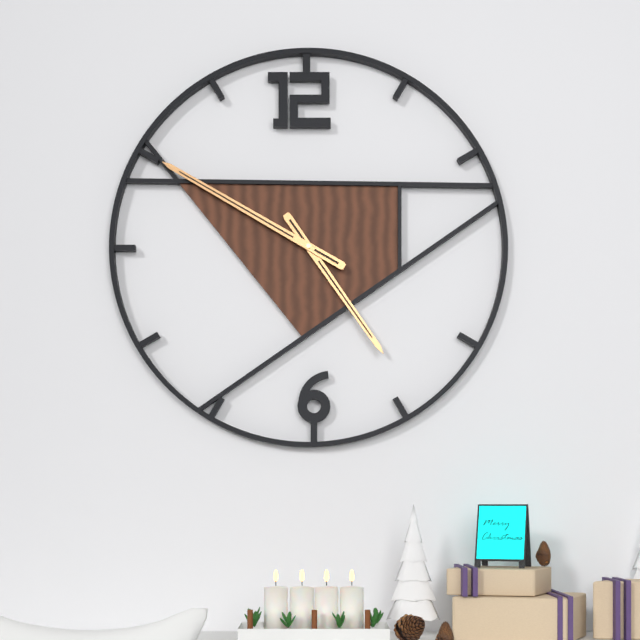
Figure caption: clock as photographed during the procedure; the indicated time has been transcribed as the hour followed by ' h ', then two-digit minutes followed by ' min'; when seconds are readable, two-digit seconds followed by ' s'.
4 h 50 min
